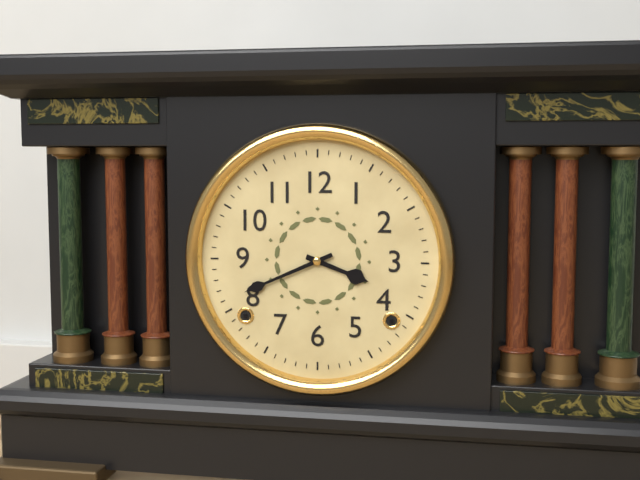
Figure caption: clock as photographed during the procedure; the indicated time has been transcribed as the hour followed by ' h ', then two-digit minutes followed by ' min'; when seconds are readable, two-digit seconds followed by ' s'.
3 h 41 min
